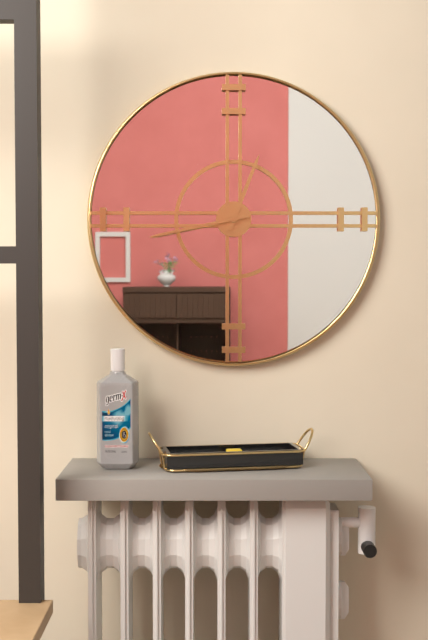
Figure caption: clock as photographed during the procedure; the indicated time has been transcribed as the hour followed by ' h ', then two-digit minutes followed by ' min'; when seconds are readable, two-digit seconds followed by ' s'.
12 h 43 min
